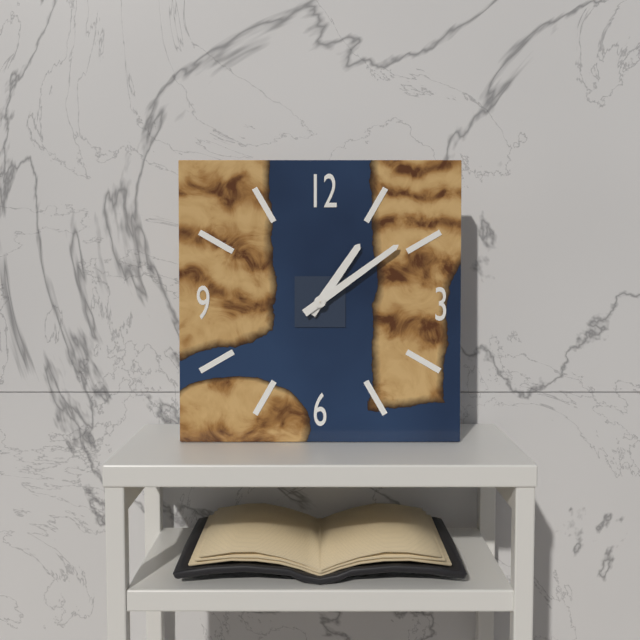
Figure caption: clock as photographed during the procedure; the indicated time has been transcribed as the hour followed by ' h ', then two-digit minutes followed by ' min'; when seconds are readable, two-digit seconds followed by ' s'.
1 h 09 min
